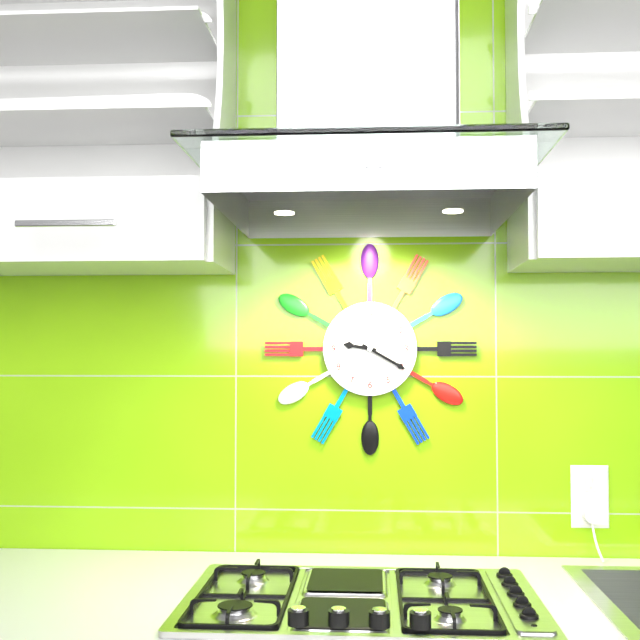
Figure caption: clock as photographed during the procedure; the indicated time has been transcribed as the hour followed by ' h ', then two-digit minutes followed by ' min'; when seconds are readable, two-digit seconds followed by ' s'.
9 h 20 min
